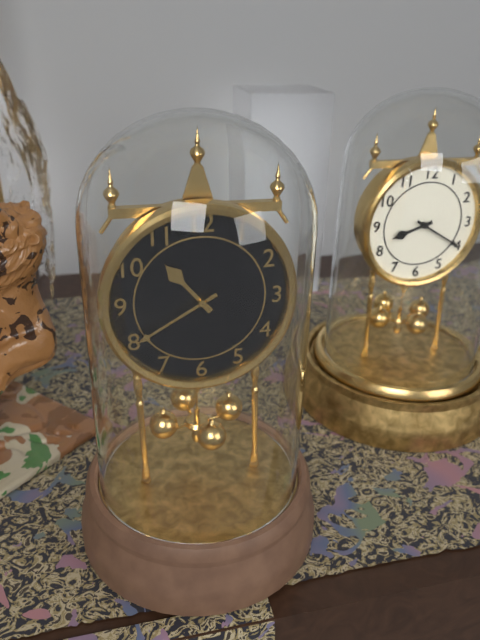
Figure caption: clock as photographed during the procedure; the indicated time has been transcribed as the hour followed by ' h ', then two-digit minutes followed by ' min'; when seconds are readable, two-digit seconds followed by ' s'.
10 h 40 min
